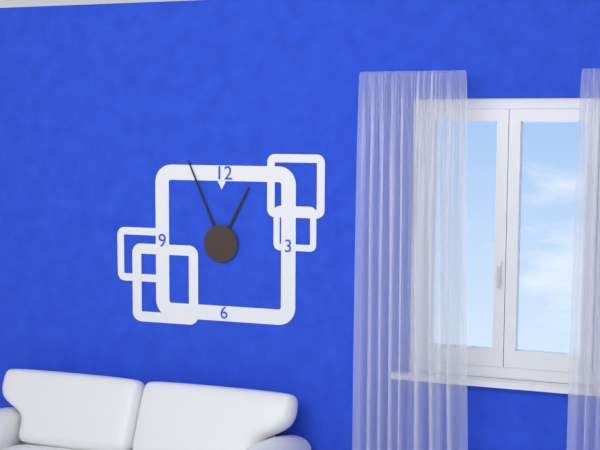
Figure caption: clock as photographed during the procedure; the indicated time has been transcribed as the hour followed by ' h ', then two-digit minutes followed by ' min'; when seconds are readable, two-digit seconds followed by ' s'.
12 h 56 min
